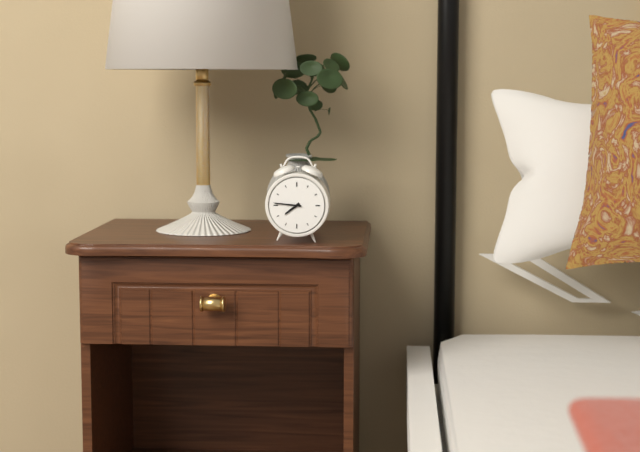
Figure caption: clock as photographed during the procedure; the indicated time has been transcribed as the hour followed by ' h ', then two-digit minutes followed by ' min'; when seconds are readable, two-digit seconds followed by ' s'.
7 h 46 min
